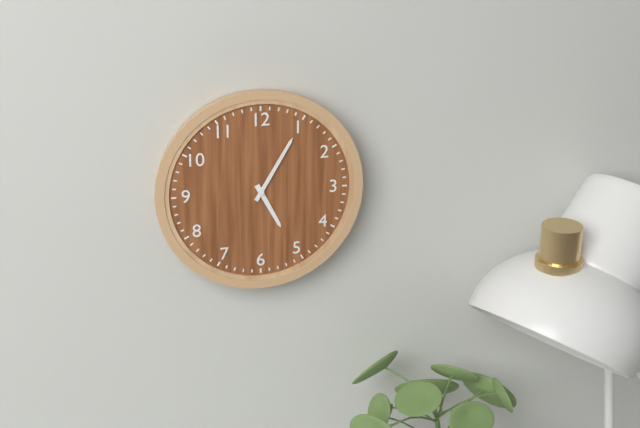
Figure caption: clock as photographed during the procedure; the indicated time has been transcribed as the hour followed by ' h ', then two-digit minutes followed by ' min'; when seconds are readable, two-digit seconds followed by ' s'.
5 h 05 min
